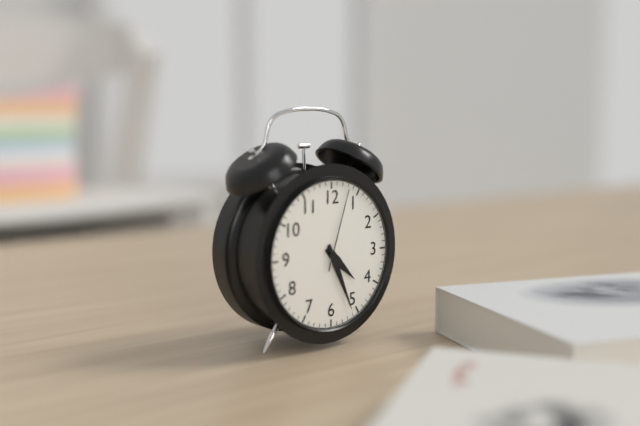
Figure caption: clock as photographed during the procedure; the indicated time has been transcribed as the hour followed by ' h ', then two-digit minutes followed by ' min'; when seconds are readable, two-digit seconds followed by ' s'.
4 h 26 min 03 s
